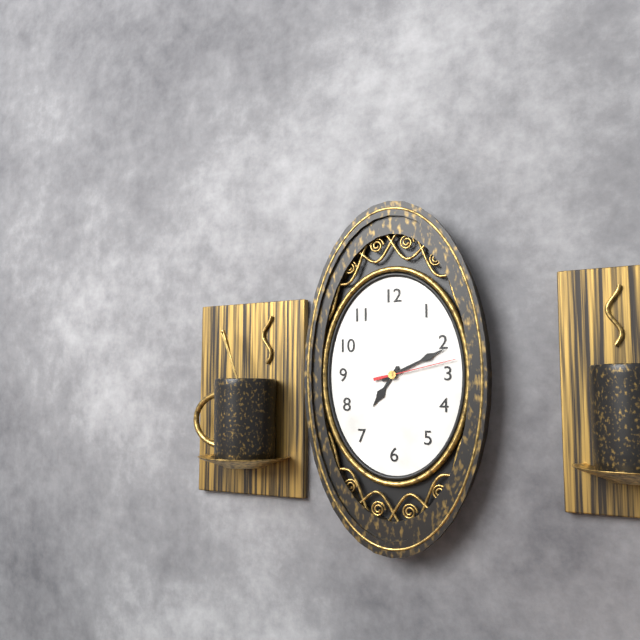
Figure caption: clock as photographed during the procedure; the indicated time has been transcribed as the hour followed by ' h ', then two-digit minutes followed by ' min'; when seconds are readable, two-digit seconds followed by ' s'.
7 h 11 min 13 s
